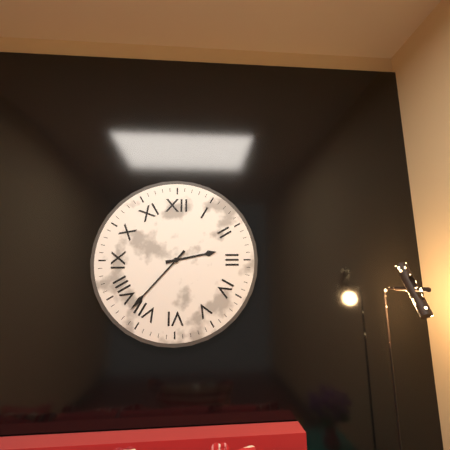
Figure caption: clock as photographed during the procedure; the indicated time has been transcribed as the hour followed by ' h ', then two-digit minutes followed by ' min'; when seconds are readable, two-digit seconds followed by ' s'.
2 h 37 min
